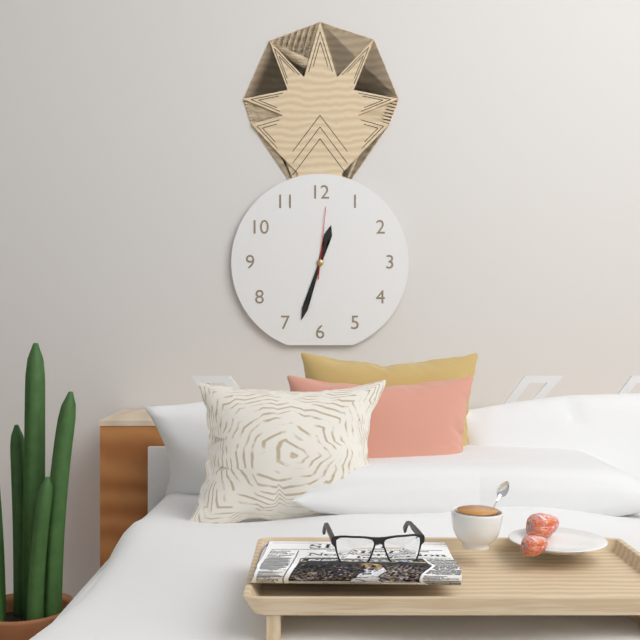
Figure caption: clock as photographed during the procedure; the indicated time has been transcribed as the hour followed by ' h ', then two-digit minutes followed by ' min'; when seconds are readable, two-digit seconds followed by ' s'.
12 h 33 min 01 s
